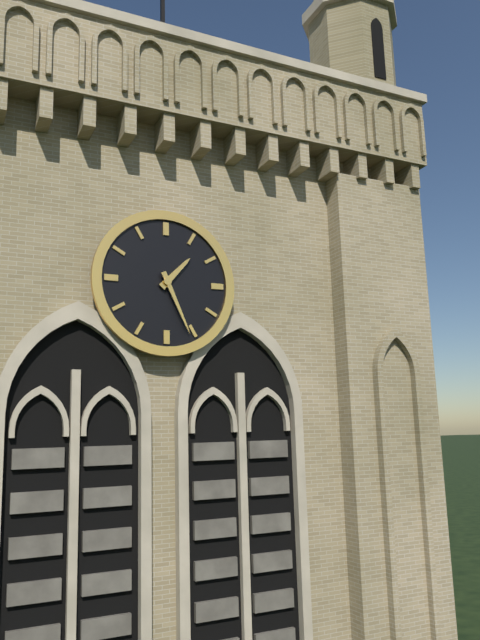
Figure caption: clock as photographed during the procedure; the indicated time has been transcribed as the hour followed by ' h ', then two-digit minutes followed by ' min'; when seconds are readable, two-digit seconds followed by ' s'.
1 h 26 min
